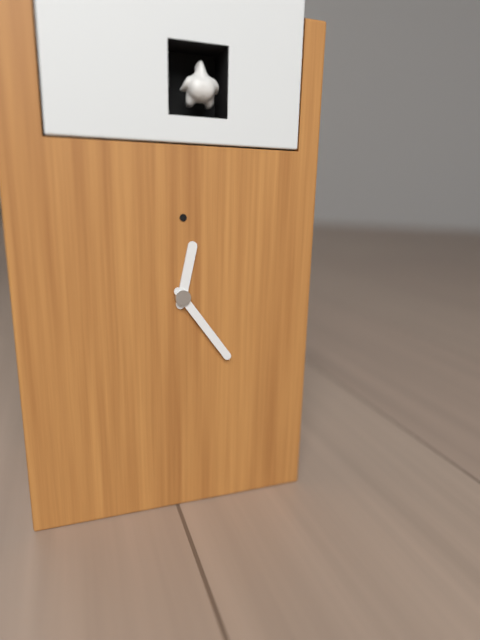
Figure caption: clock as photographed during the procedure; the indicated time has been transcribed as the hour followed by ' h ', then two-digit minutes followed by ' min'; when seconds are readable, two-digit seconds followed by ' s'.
12 h 24 min
